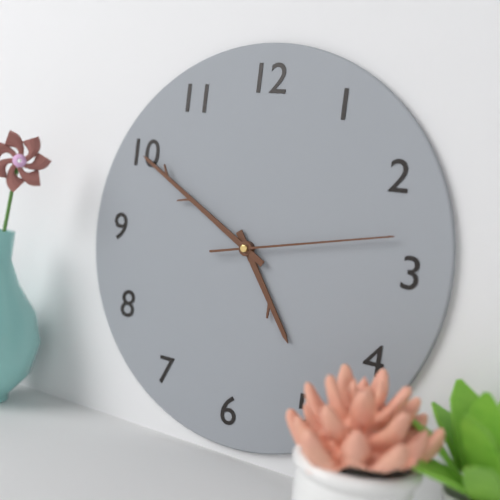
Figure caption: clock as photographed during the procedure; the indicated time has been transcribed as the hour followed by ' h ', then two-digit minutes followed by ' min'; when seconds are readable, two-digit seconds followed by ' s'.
4 h 50 min 13 s
